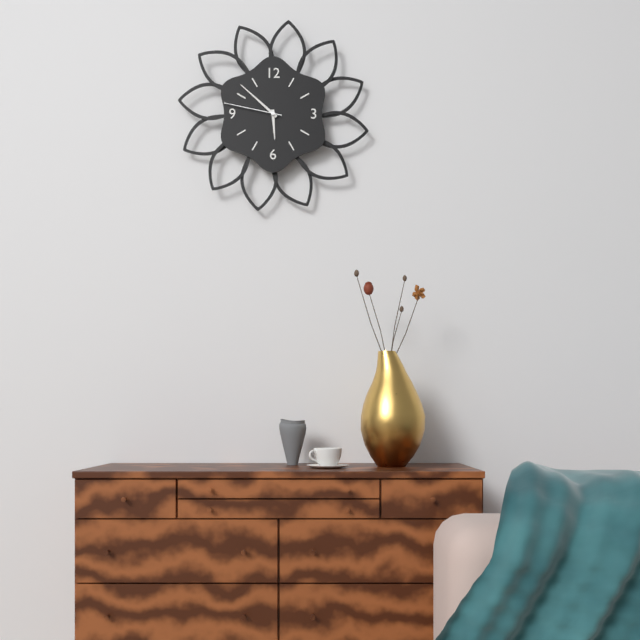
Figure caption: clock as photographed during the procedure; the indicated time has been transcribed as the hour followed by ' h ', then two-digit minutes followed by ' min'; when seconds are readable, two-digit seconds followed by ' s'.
5 h 52 min 47 s
